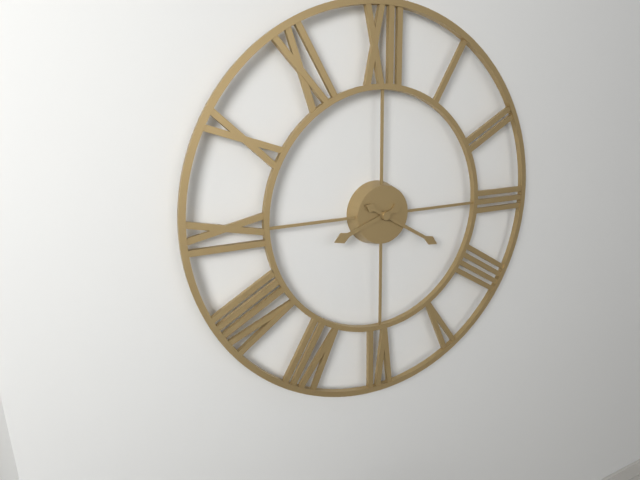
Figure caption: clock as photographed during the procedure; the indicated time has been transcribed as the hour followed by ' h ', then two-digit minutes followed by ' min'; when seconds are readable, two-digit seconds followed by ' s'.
8 h 20 min
